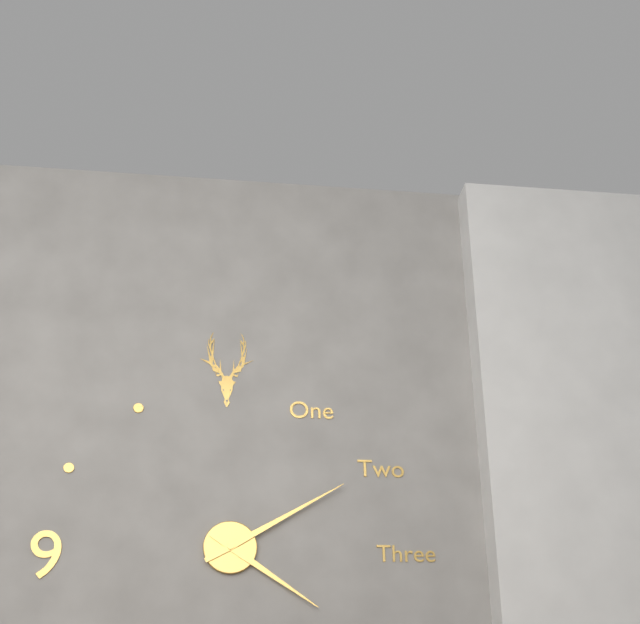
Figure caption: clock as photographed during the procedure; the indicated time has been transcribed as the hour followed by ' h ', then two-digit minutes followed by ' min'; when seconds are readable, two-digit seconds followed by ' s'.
4 h 10 min
